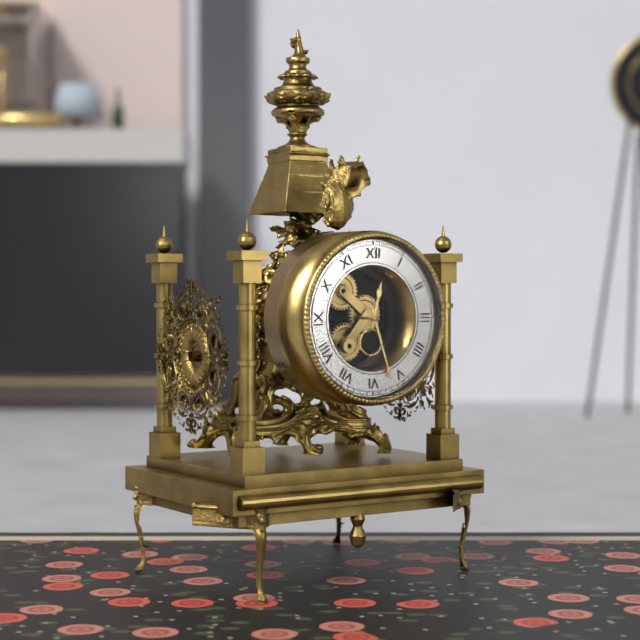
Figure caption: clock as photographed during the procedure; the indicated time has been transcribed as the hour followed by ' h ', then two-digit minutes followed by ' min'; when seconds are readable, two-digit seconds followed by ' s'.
12 h 27 min
